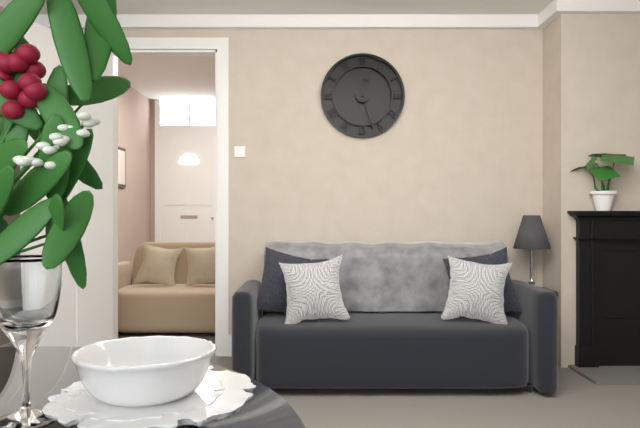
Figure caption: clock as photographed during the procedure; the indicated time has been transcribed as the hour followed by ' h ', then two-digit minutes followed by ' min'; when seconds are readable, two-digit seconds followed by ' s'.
12 h 27 min
